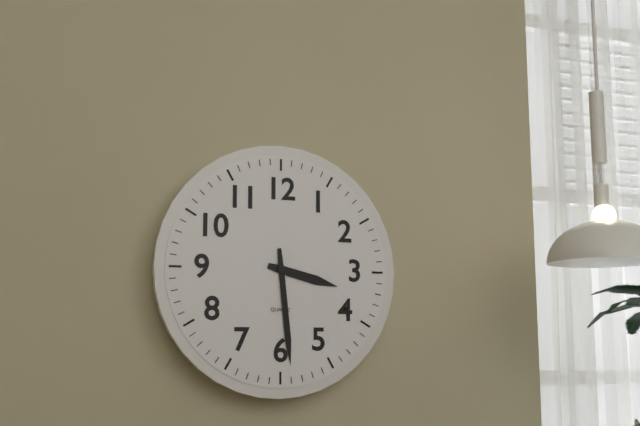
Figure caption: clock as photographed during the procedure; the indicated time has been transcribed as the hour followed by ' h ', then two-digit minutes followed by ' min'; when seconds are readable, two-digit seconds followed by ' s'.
3 h 29 min
